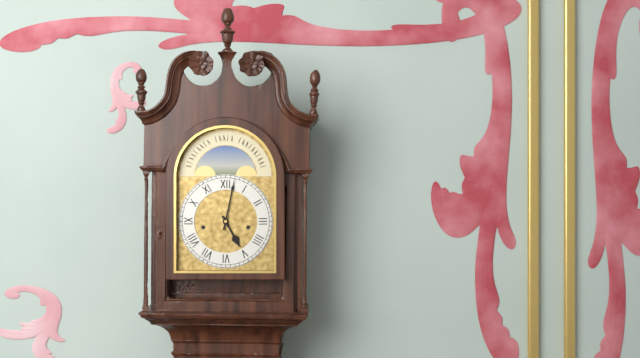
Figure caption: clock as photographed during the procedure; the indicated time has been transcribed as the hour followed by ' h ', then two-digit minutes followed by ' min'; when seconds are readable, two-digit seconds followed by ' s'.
5 h 02 min
